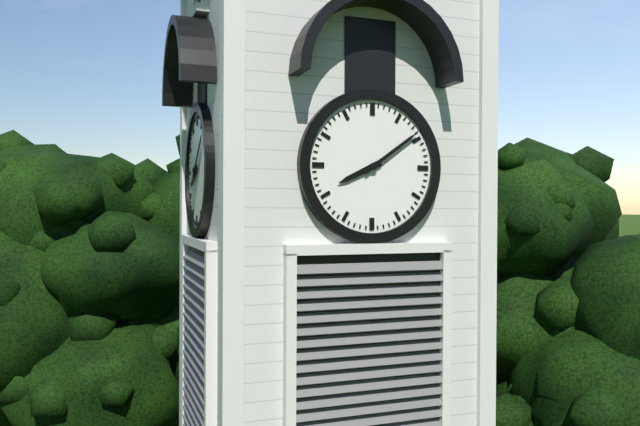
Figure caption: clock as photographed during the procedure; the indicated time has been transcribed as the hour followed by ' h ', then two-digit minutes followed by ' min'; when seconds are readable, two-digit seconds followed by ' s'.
8 h 09 min
